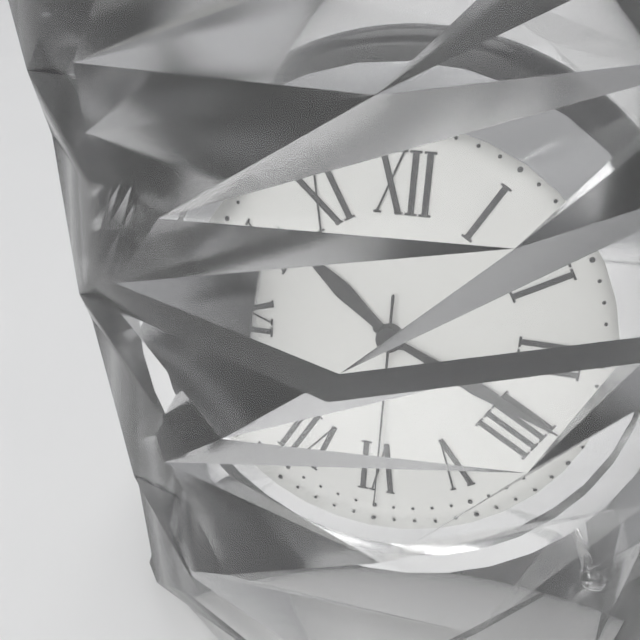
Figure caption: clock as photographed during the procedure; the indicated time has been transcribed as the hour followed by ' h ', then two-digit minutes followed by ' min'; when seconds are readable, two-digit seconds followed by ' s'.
10 h 19 min 30 s
